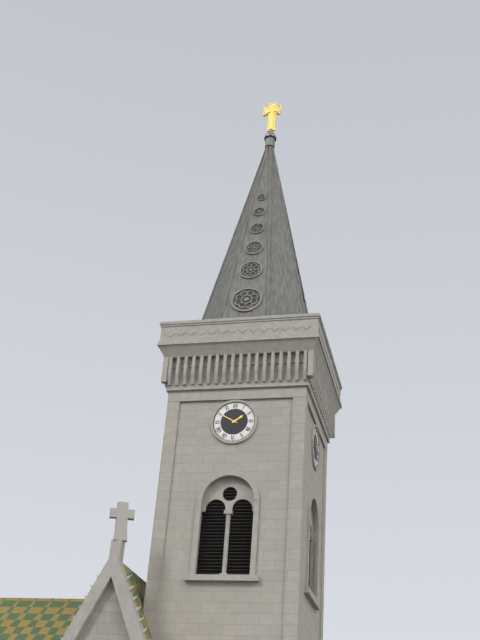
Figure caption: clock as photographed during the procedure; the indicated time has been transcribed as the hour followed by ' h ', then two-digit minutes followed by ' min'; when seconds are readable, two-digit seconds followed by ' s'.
1 h 50 min
